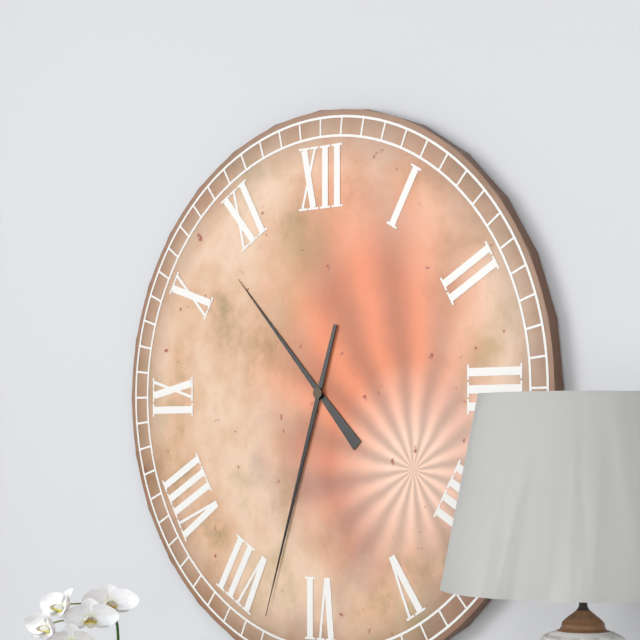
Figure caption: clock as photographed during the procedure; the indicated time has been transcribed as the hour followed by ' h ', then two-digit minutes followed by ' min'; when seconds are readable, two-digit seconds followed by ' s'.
10 h 33 min
